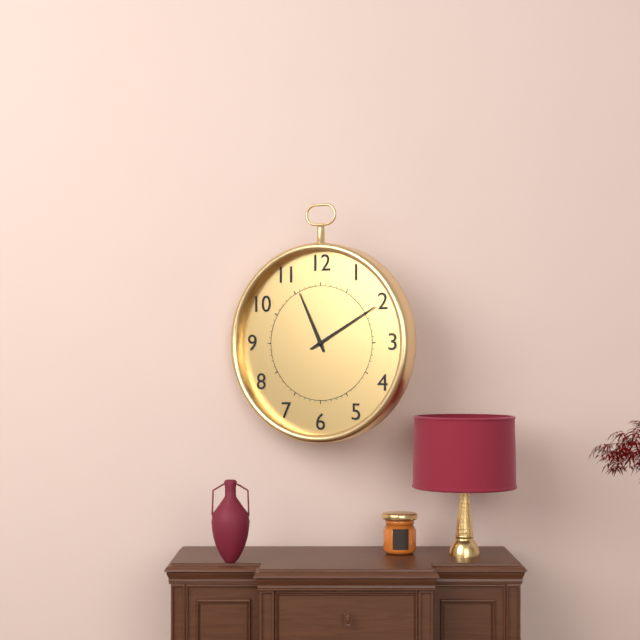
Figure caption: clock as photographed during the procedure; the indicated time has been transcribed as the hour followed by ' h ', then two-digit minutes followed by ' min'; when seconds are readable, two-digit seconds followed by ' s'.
11 h 10 min
